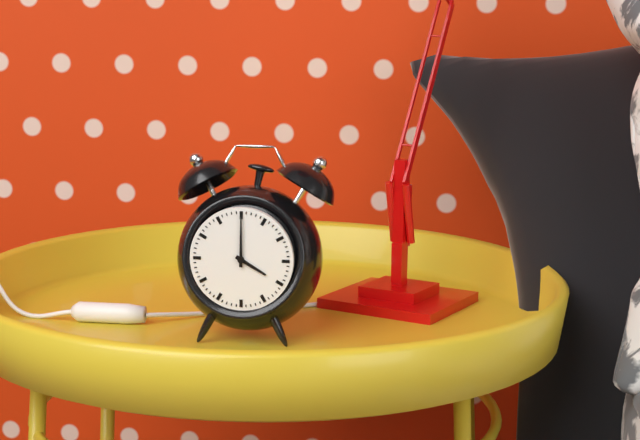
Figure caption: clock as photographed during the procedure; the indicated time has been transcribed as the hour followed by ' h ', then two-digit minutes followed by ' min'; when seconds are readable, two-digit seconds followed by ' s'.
4 h 00 min
